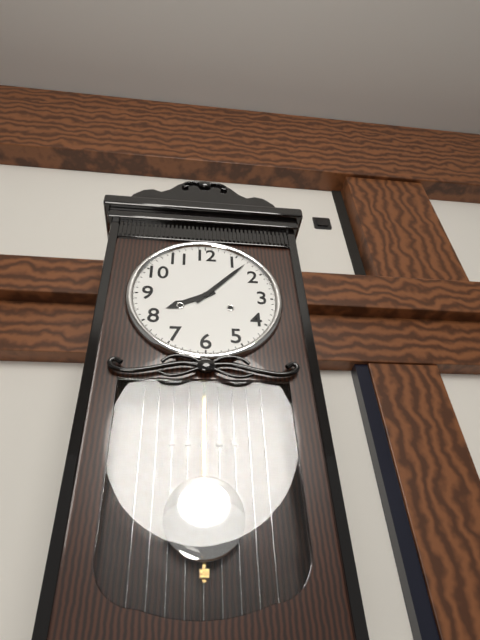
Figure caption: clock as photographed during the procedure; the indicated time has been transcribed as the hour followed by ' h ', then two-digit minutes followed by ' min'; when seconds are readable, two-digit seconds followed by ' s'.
8 h 07 min
